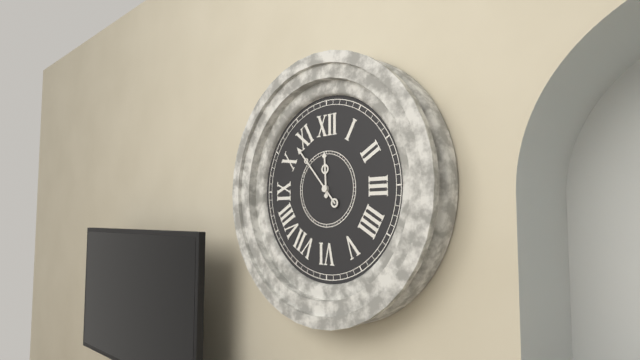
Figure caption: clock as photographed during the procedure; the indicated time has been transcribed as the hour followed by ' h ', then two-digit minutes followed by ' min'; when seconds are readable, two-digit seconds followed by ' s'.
11 h 53 min
